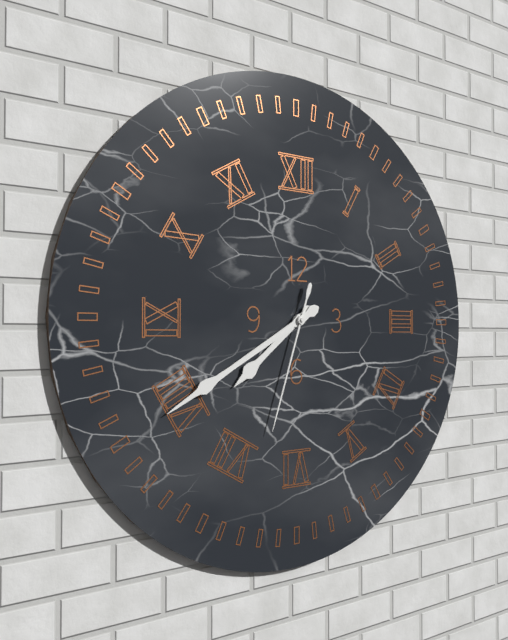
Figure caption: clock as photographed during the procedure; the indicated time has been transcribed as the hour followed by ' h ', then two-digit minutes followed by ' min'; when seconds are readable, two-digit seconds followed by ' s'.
7 h 40 min 33 s
